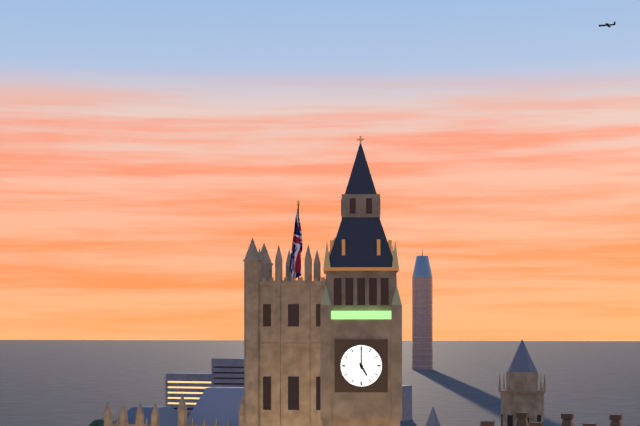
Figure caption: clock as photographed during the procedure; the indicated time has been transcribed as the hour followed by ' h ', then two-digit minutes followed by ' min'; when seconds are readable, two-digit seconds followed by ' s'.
5 h 00 min
